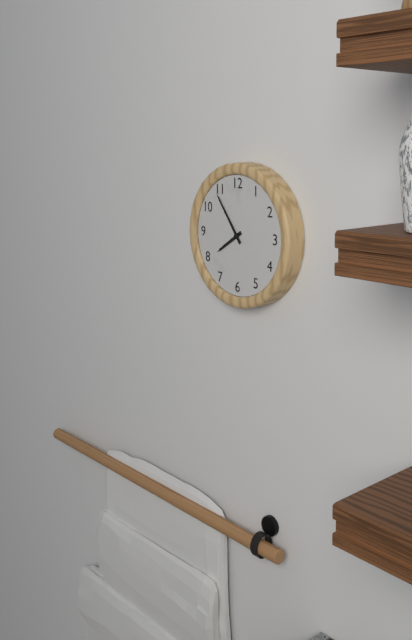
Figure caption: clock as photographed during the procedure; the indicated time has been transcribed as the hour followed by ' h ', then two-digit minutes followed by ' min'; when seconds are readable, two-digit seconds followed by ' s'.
7 h 54 min
